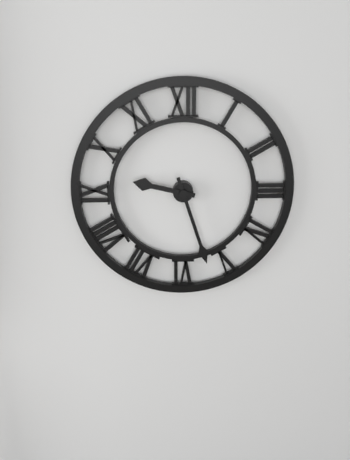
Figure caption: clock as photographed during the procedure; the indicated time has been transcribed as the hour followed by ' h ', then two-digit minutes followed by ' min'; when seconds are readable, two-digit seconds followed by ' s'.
9 h 27 min
